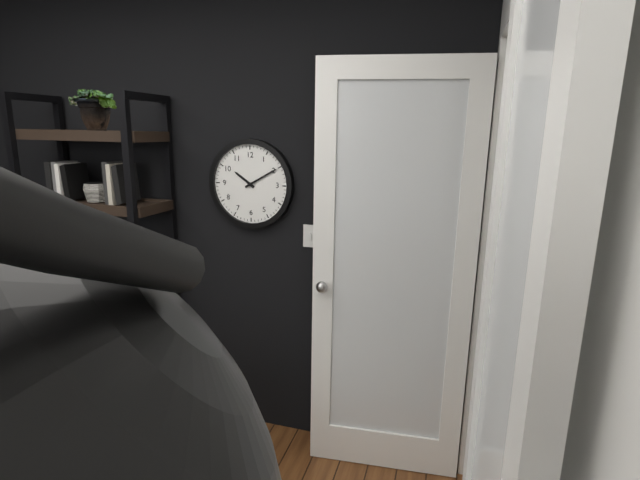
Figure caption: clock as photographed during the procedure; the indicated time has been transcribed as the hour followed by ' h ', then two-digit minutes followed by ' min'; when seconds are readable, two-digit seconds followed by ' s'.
10 h 10 min
